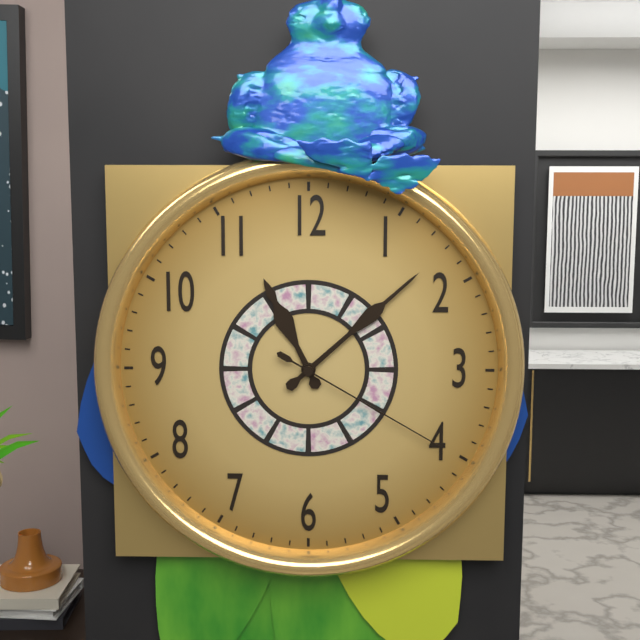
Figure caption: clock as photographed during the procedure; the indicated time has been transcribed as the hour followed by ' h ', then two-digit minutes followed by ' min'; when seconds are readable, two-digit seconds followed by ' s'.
11 h 08 min 20 s
